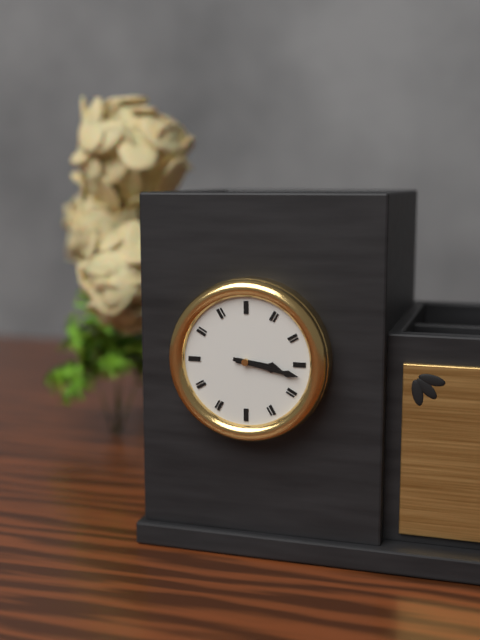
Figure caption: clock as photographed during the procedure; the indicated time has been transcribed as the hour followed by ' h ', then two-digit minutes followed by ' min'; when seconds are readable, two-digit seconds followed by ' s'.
3 h 17 min
